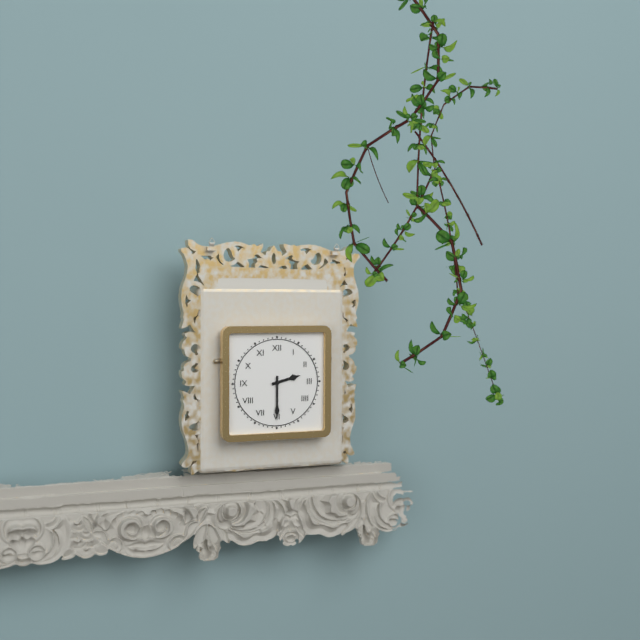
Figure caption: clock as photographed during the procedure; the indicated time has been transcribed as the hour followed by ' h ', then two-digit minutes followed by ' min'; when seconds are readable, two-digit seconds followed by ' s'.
2 h 30 min
